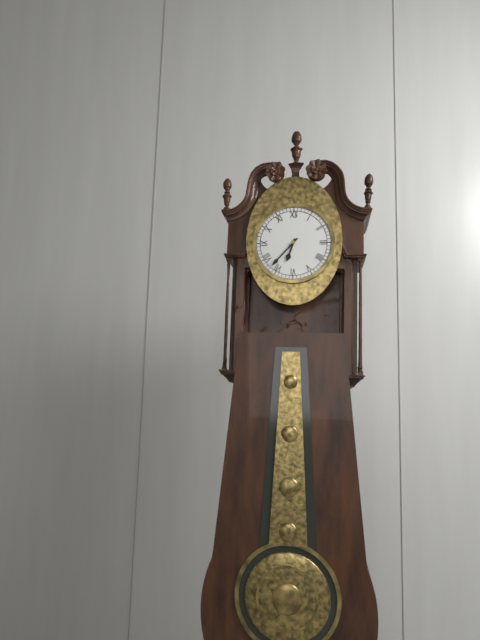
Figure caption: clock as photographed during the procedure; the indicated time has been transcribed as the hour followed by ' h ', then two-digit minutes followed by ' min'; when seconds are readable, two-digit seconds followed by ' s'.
6 h 37 min
